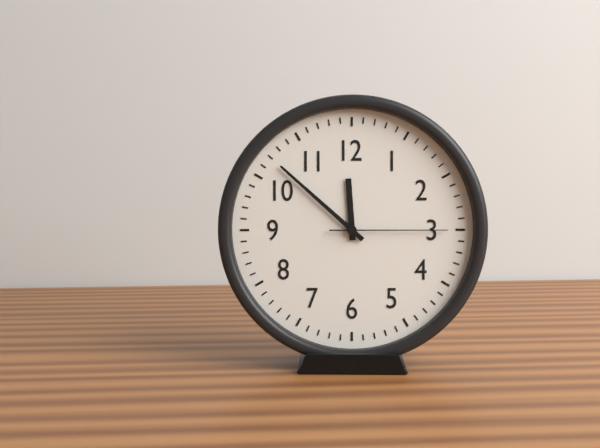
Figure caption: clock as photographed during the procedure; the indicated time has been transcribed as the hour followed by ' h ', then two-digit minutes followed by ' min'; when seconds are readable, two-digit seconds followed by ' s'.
11 h 52 min 15 s
